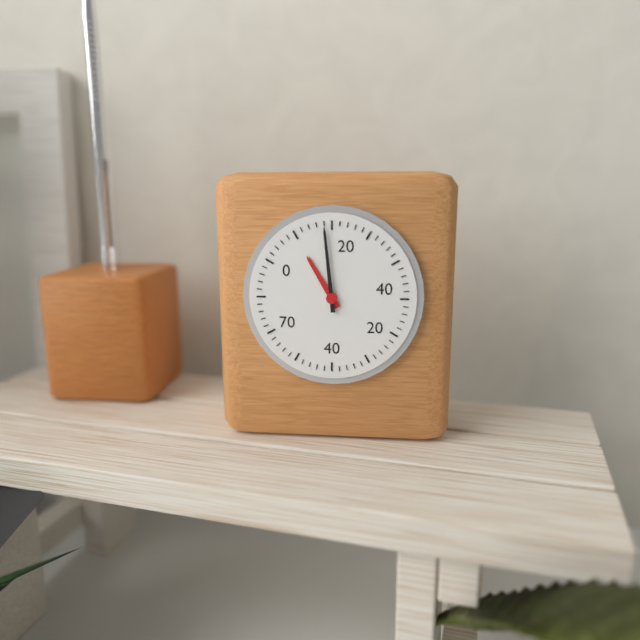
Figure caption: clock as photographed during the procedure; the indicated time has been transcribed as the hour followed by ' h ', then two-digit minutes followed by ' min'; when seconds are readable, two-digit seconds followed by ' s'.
10 h 59 min
